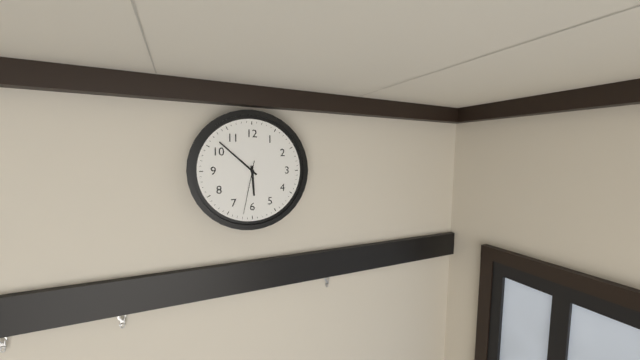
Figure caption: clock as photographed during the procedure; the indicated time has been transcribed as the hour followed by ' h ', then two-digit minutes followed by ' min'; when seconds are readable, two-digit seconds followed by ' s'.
5 h 52 min 32 s
